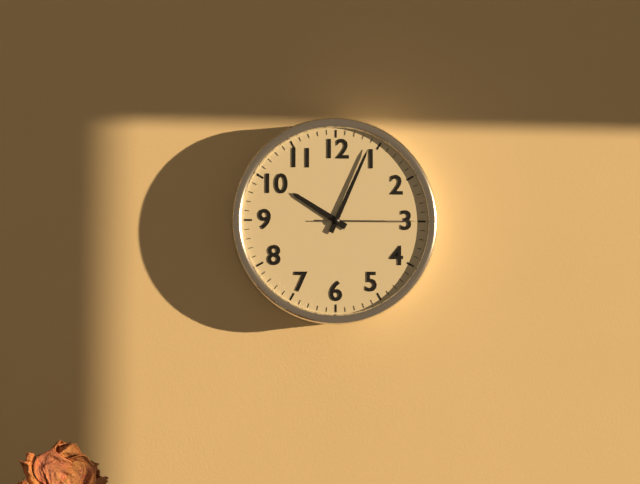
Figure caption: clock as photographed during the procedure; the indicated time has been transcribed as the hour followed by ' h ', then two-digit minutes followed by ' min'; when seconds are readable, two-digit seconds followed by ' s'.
10 h 04 min 15 s
